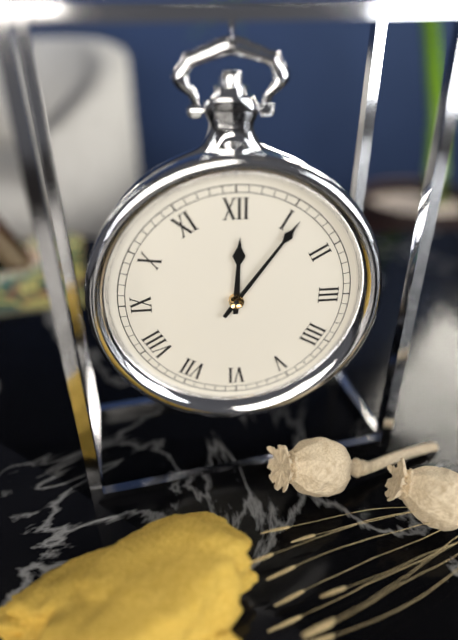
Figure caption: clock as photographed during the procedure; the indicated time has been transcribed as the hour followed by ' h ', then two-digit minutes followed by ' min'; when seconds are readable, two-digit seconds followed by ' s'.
12 h 06 min
